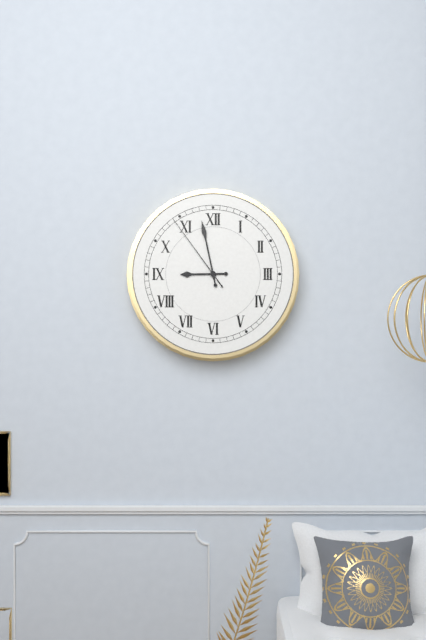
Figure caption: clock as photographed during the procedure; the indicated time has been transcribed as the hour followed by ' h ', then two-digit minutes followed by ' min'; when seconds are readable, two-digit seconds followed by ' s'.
8 h 58 min 54 s
